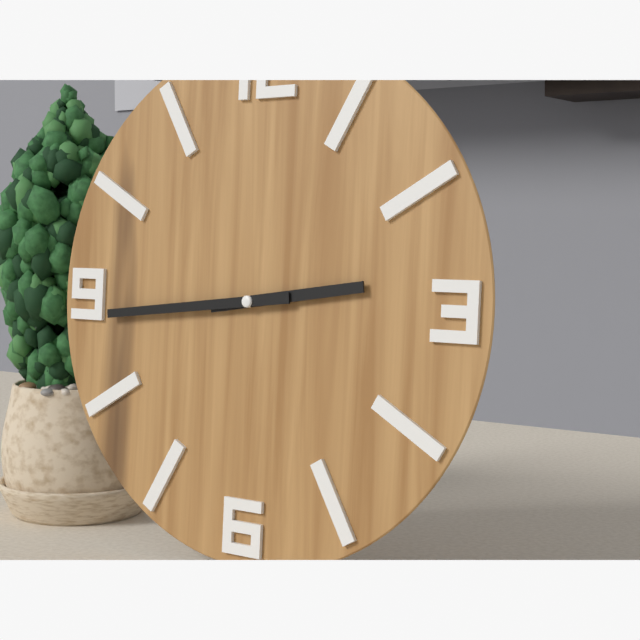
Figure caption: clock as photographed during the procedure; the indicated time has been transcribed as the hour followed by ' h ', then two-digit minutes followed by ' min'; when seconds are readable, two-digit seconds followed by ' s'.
2 h 44 min
